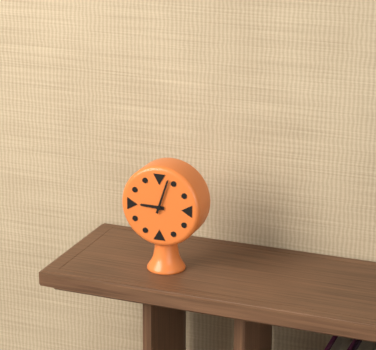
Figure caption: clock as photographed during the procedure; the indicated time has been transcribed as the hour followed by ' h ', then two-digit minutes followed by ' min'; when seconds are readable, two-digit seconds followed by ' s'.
9 h 03 min
